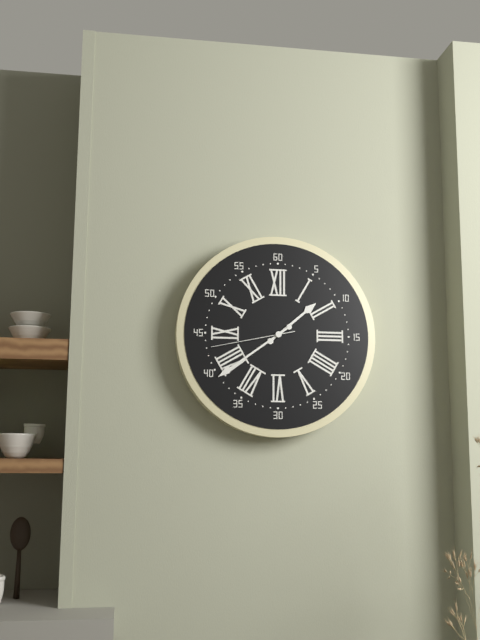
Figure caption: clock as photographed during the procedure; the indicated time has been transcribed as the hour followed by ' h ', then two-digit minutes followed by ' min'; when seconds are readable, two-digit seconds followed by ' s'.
1 h 39 min 43 s
